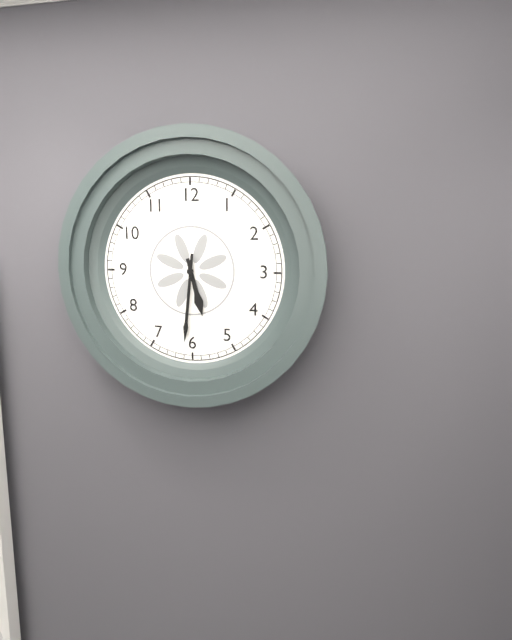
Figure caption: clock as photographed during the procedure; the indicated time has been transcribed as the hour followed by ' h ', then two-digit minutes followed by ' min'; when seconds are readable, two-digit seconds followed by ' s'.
5 h 31 min
